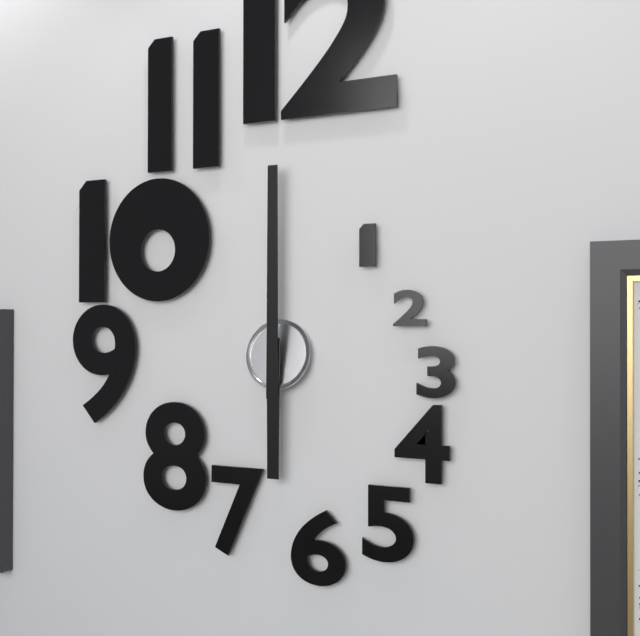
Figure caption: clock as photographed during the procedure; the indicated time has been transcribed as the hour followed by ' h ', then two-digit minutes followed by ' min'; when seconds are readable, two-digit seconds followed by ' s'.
6 h 00 min
